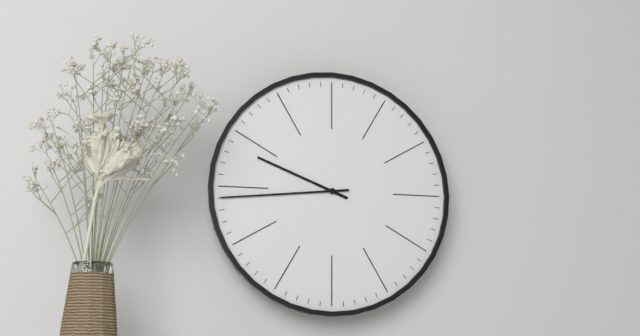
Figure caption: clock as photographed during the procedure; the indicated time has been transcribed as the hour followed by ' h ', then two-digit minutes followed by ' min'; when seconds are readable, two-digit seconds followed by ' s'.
9 h 44 min
